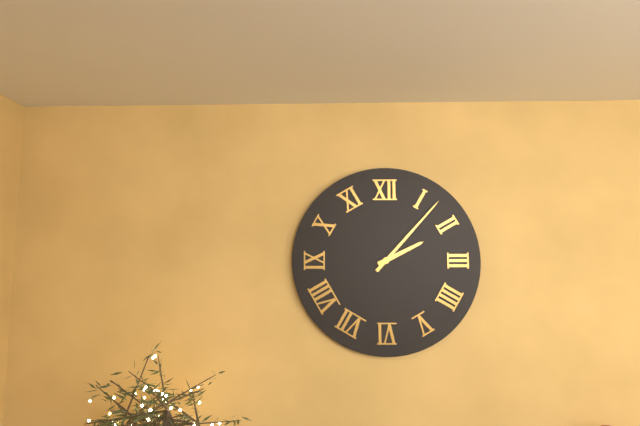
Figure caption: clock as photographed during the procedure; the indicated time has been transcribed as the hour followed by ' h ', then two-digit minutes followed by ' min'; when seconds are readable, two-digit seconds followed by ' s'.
2 h 07 min
